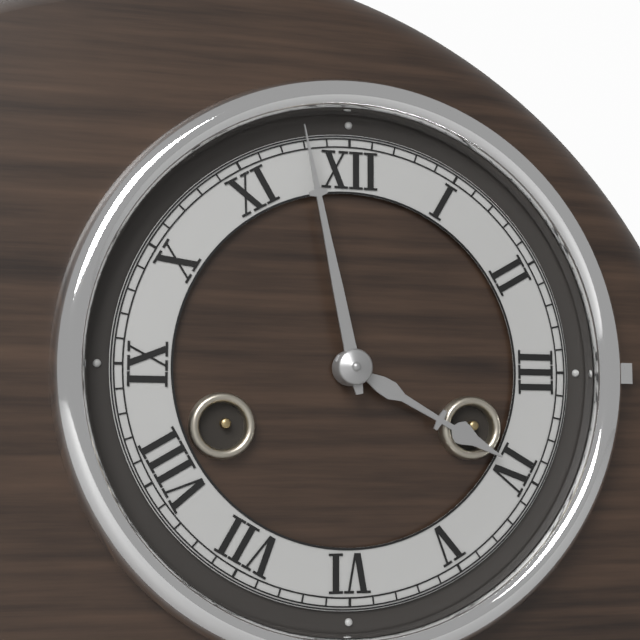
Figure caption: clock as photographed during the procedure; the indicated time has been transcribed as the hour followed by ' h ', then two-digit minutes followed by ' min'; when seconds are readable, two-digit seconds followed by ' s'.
3 h 58 min
